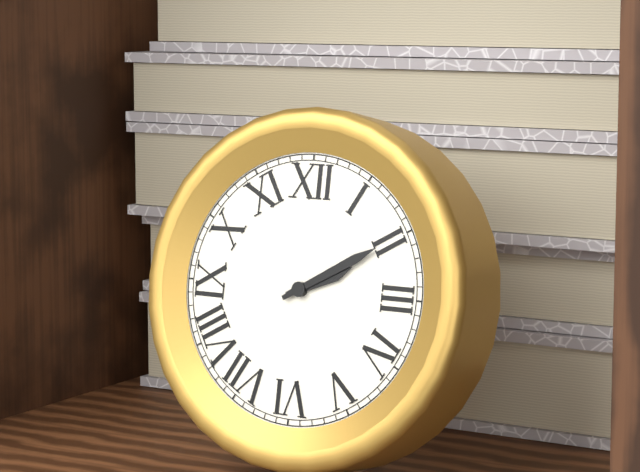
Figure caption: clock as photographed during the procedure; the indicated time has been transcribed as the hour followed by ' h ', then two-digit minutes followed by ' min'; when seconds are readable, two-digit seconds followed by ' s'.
2 h 10 min
